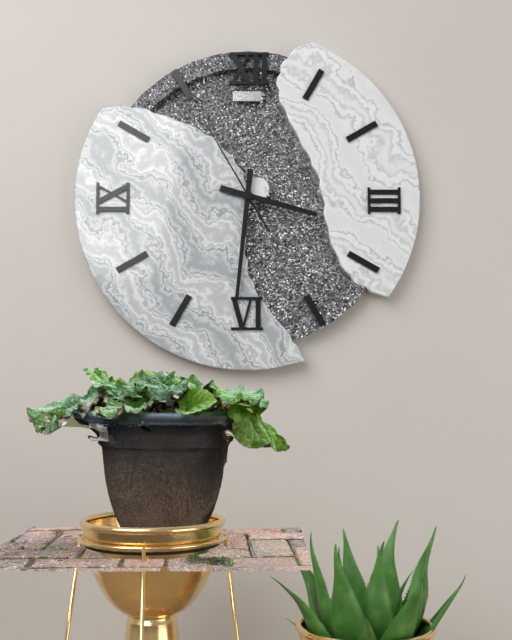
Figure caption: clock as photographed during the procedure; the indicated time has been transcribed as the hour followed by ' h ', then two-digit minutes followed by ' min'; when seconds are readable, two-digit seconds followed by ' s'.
3 h 31 min 55 s
